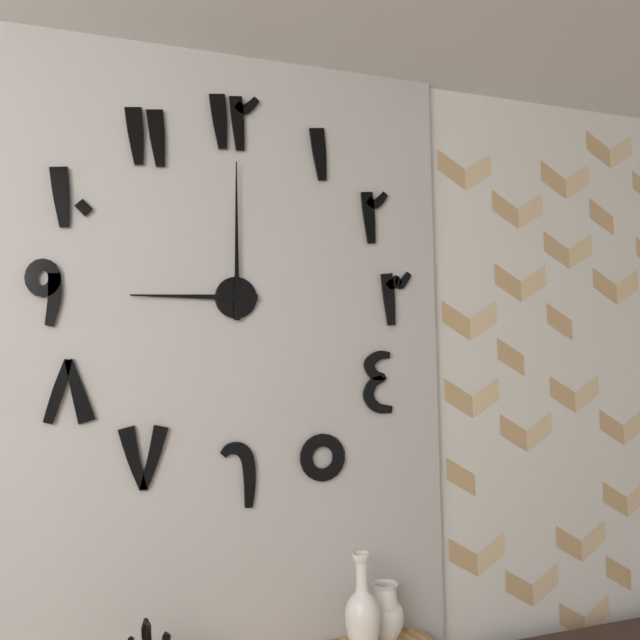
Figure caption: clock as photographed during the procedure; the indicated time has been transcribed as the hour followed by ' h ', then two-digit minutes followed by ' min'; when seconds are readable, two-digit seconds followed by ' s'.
9 h 00 min
